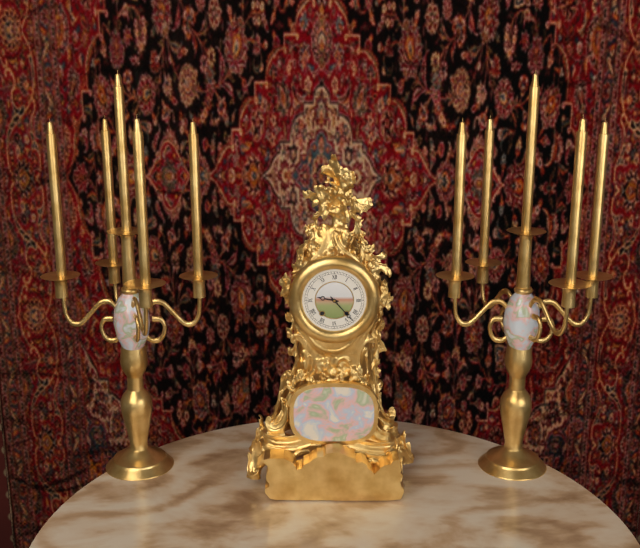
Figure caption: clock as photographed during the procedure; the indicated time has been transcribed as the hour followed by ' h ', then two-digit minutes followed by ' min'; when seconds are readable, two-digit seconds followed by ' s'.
9 h 23 min
